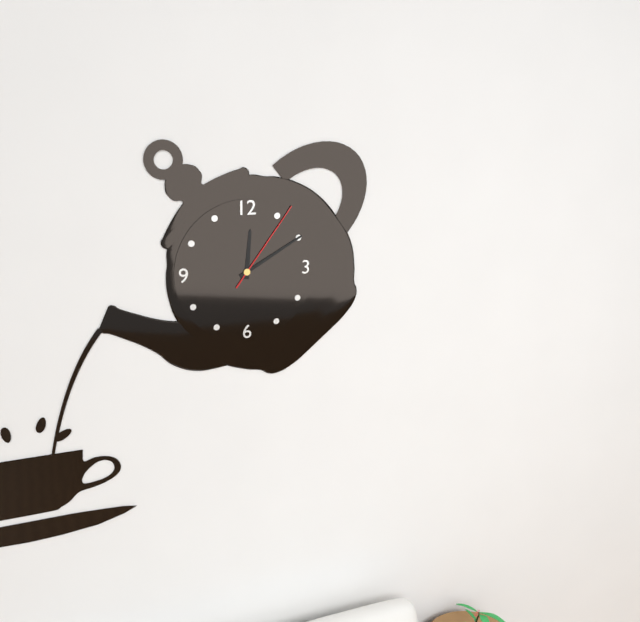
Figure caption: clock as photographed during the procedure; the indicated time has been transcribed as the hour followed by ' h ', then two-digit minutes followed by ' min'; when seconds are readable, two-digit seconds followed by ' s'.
12 h 10 min 06 s
